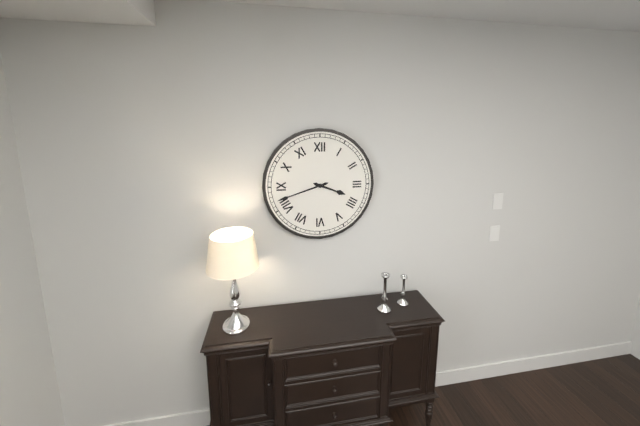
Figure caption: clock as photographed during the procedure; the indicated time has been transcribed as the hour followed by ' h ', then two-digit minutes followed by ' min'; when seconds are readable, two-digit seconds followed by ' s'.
3 h 42 min
